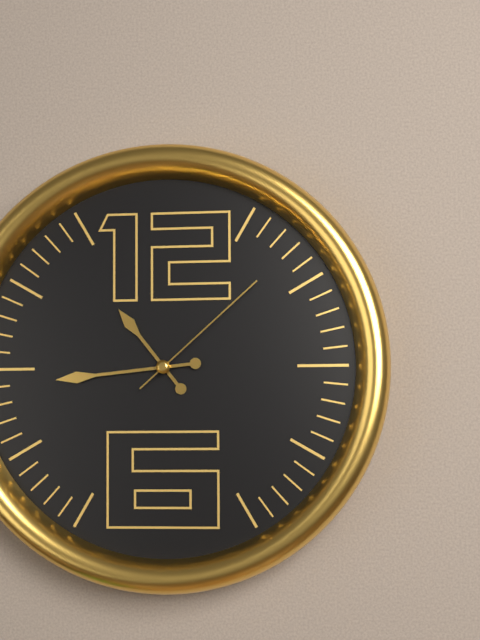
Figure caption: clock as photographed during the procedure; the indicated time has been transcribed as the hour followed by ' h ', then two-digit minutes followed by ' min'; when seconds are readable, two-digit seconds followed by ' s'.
10 h 44 min 08 s
